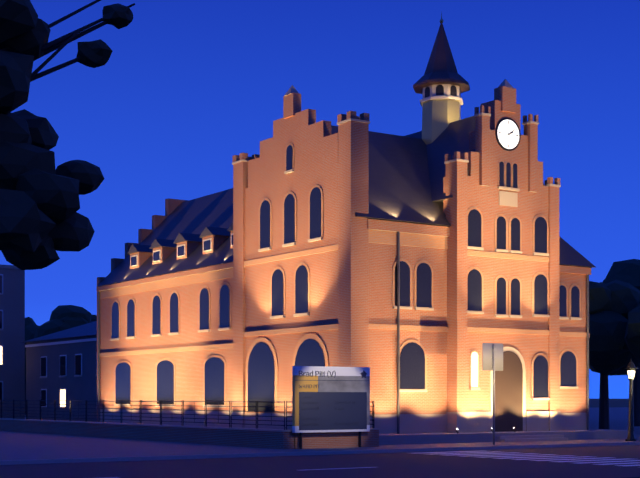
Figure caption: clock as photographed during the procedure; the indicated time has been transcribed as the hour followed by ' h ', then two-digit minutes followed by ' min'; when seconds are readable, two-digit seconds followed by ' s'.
2 h 09 min
